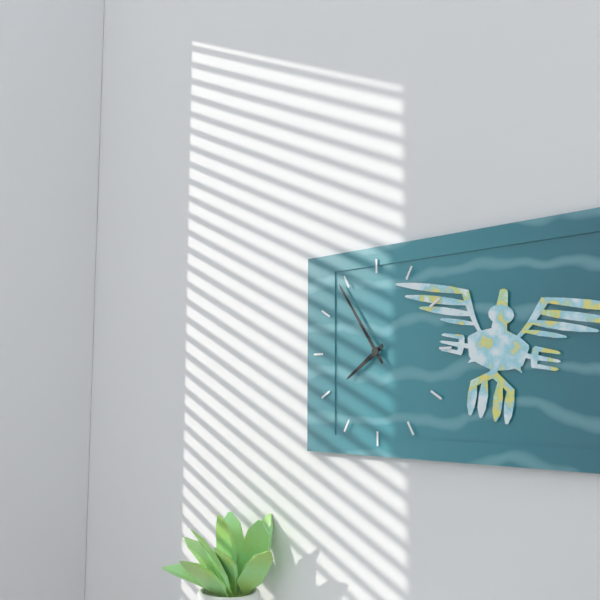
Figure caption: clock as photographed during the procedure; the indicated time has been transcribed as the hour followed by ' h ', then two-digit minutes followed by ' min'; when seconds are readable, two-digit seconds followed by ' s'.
7 h 54 min
